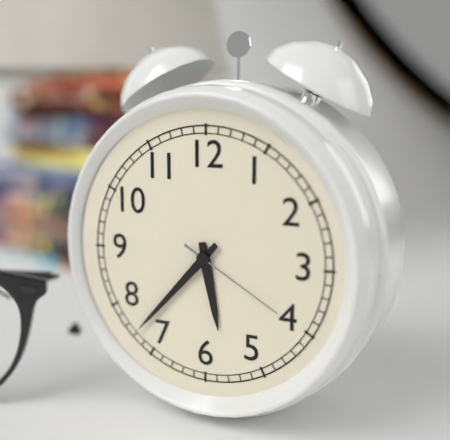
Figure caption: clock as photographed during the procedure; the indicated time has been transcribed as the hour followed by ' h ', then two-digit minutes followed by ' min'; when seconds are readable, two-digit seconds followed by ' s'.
5 h 37 min 20 s
